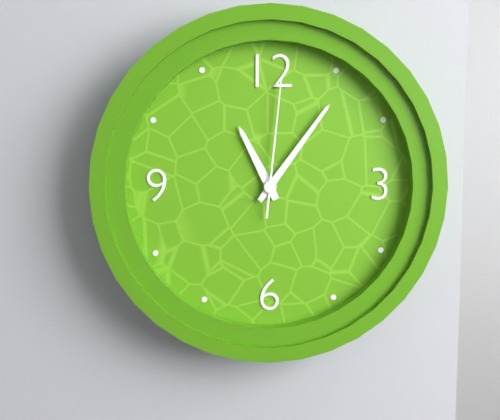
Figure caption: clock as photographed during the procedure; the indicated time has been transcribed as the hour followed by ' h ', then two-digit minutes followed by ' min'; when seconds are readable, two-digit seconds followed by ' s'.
11 h 06 min 01 s
